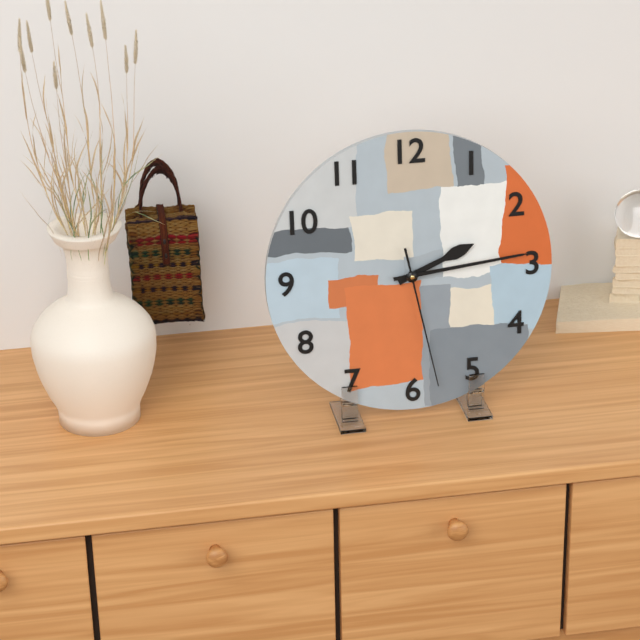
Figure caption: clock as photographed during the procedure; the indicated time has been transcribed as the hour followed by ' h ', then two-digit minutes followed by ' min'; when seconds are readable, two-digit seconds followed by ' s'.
2 h 14 min 28 s
